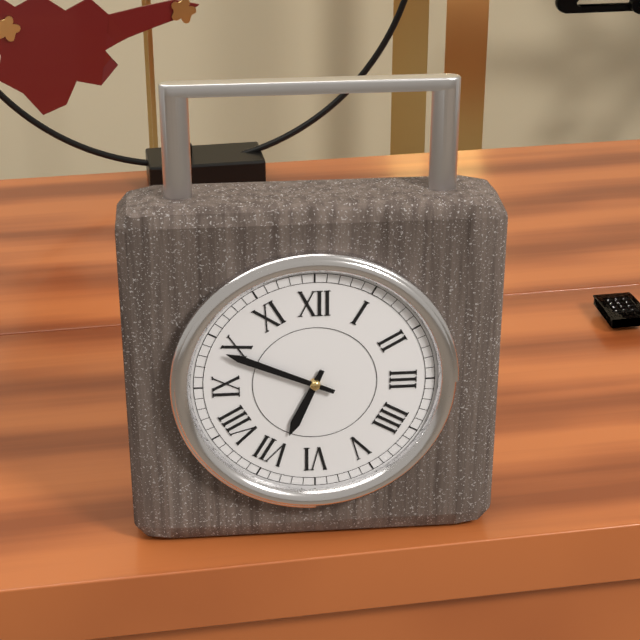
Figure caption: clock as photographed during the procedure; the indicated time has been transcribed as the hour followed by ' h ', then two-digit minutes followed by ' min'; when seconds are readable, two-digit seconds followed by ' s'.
6 h 49 min
